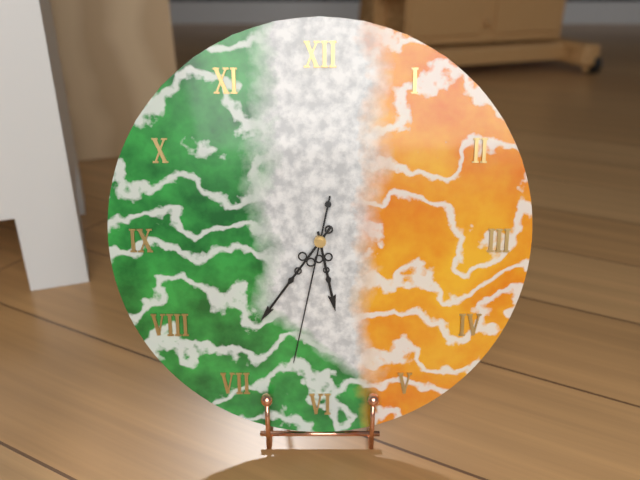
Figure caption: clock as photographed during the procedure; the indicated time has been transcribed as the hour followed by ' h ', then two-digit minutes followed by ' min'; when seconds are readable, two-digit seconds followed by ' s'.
5 h 36 min 32 s
